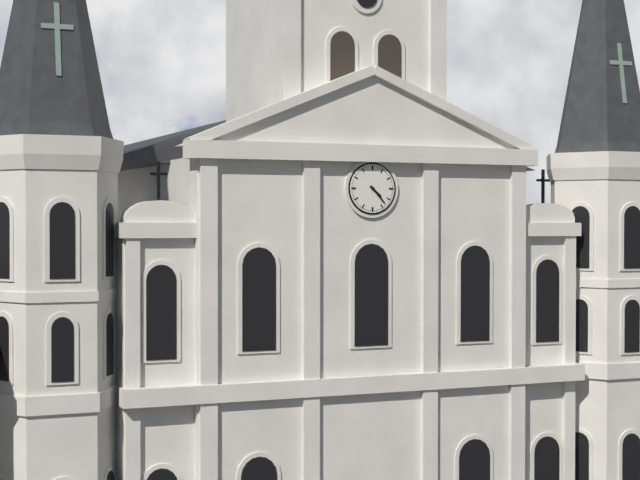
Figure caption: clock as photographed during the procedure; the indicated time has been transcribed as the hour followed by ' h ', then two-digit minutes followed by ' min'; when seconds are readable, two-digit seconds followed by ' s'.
4 h 23 min
